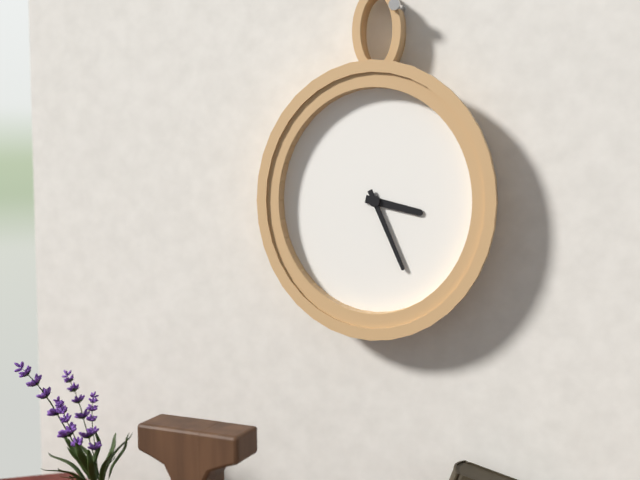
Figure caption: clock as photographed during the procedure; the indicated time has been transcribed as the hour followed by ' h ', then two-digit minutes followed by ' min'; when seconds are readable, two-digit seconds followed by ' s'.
3 h 26 min
